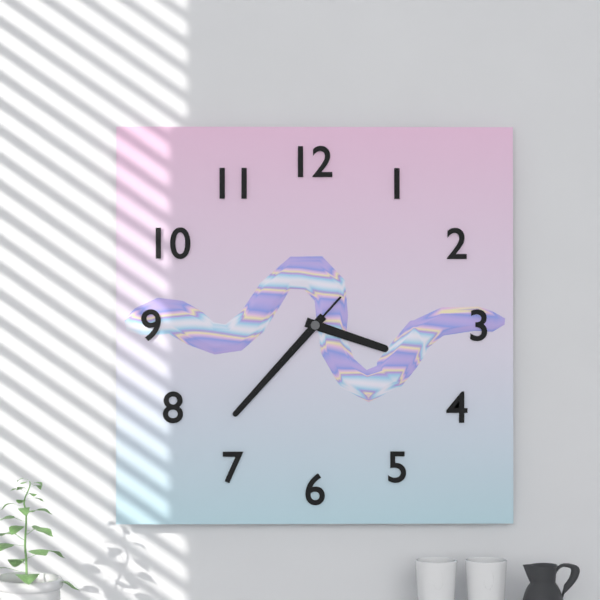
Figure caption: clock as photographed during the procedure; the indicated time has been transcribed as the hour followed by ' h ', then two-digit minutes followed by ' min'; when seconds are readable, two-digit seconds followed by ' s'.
3 h 37 min 37 s
